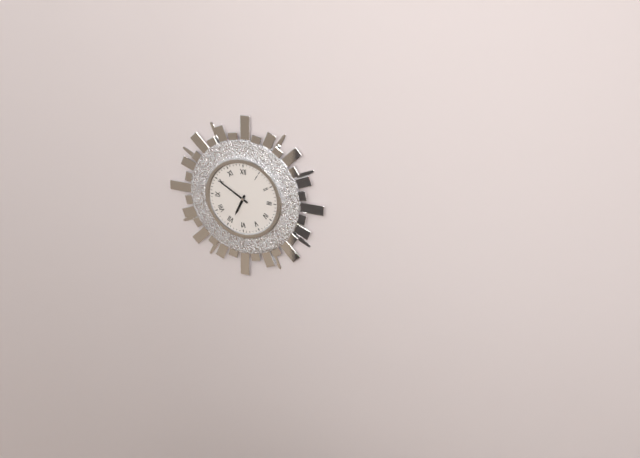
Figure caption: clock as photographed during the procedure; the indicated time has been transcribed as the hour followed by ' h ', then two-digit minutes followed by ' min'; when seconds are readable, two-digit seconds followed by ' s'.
6 h 50 min
